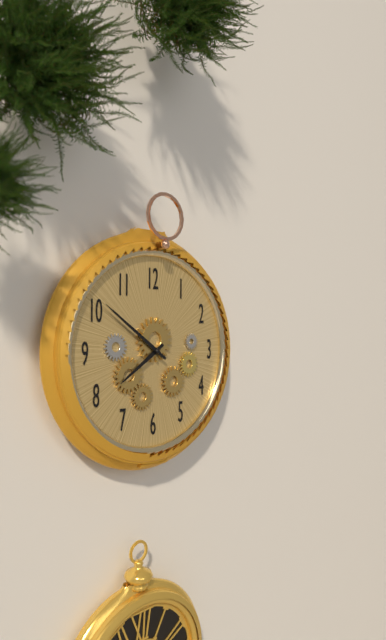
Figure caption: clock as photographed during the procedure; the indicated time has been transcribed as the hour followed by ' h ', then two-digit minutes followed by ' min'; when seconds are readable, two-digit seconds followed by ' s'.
7 h 51 min
